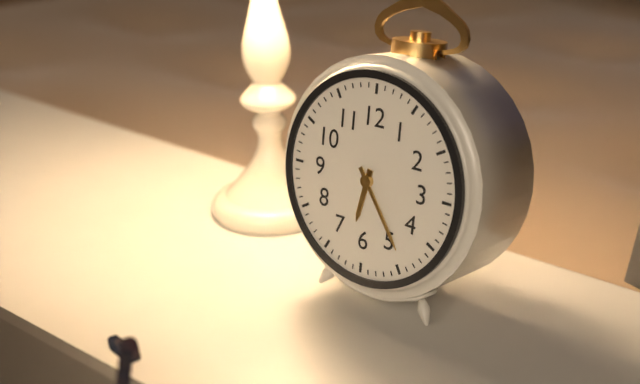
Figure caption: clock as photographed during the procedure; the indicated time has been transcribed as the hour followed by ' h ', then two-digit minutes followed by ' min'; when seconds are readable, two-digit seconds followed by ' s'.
6 h 24 min
